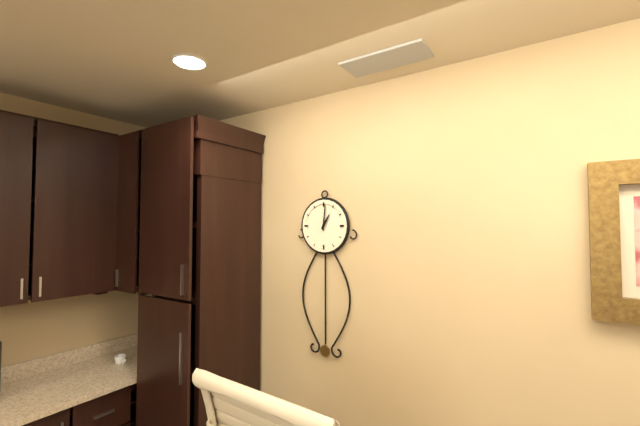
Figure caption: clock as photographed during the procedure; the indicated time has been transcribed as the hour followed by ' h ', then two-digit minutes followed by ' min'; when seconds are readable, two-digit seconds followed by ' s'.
1 h 01 min
